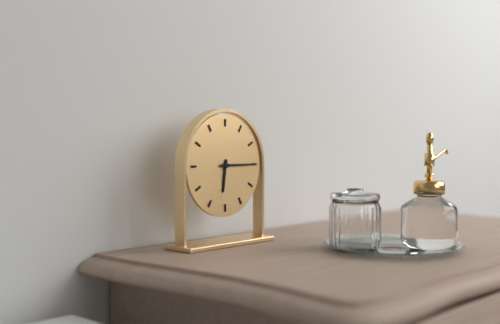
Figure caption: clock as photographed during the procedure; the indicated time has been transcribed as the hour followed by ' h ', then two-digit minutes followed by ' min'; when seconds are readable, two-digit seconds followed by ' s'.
6 h 15 min
